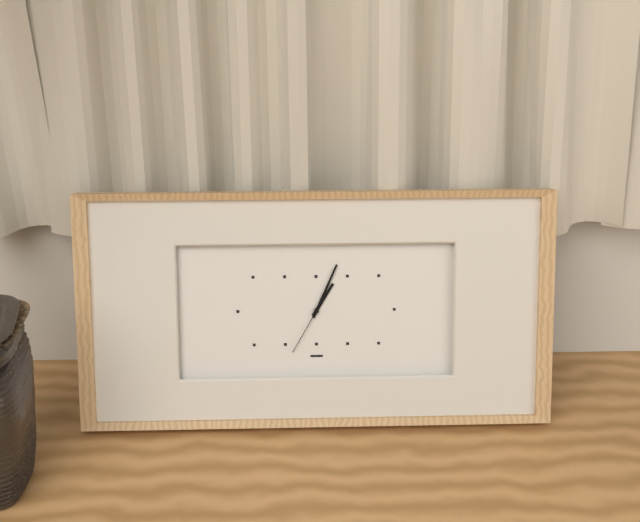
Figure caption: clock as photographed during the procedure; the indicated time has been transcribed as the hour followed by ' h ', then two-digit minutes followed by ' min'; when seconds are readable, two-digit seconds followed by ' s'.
1 h 04 min 35 s
